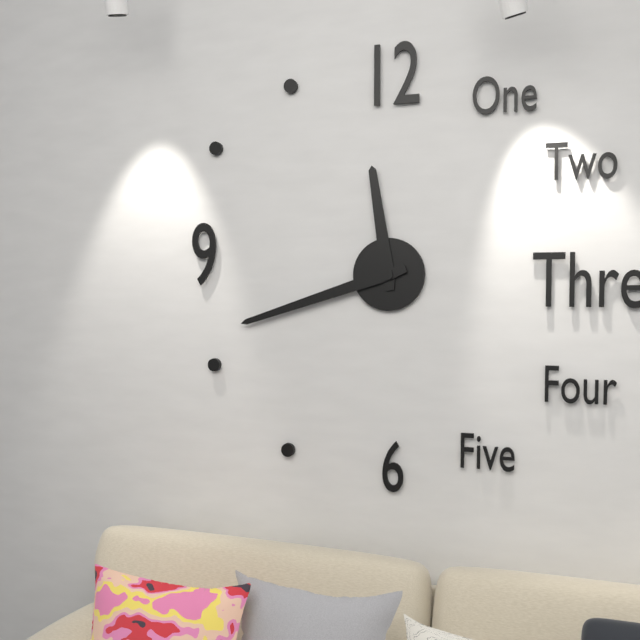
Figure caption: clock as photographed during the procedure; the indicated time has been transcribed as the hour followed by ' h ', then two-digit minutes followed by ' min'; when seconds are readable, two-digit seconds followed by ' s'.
11 h 42 min
